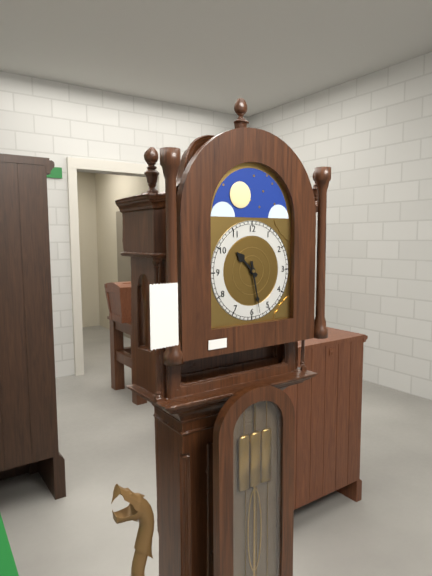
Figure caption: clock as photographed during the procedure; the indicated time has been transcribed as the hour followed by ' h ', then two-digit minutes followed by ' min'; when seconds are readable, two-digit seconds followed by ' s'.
10 h 28 min
